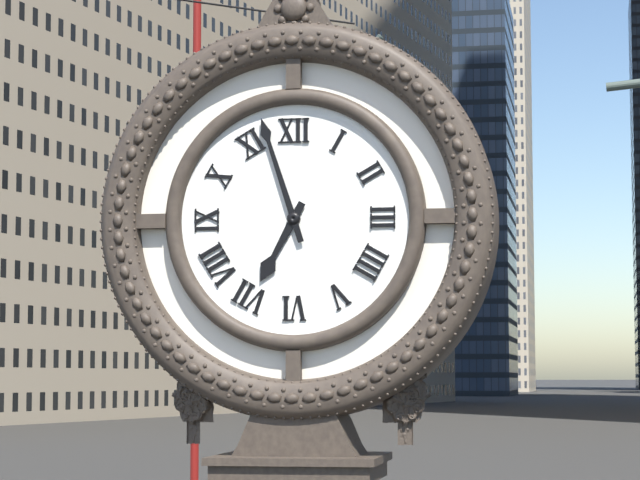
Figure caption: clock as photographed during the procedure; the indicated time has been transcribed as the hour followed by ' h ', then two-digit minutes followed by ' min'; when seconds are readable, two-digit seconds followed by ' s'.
6 h 57 min
